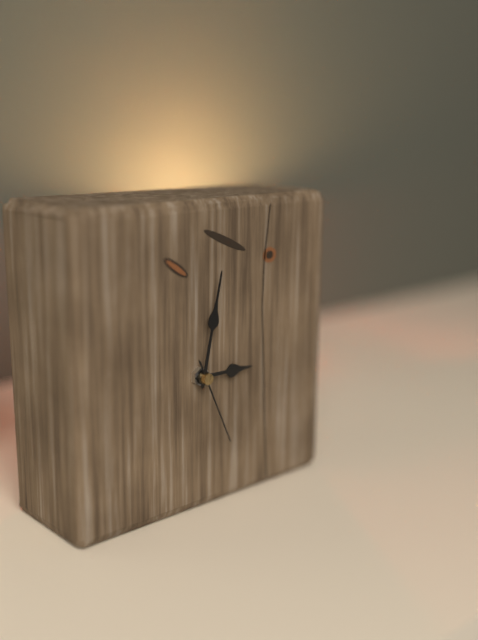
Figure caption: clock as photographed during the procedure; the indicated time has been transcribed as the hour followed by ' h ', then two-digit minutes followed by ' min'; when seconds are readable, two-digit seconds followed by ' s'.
3 h 02 min 26 s
